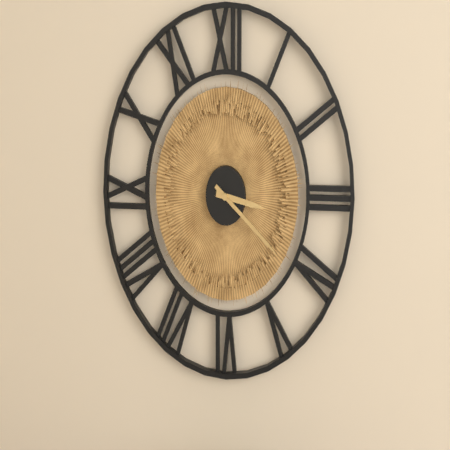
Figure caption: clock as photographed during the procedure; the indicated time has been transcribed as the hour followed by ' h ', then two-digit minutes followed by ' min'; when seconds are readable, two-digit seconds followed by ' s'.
3 h 21 min
